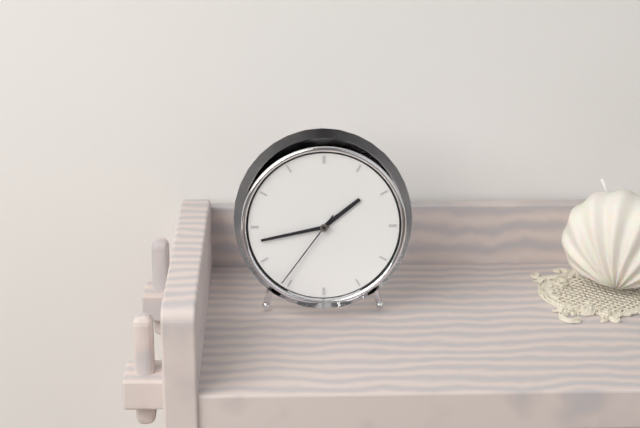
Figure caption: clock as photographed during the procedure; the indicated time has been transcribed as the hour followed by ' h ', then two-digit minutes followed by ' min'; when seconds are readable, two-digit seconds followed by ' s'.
1 h 43 min 36 s
